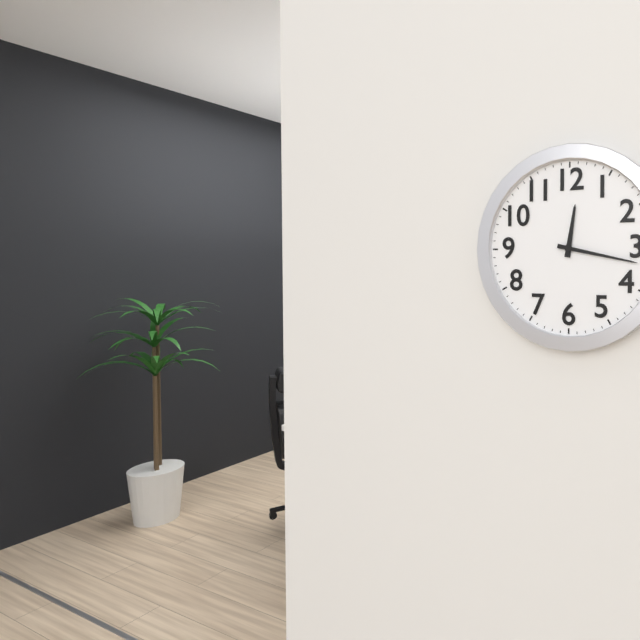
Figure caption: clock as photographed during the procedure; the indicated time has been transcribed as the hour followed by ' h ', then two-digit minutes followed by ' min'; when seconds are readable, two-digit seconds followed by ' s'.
12 h 17 min
